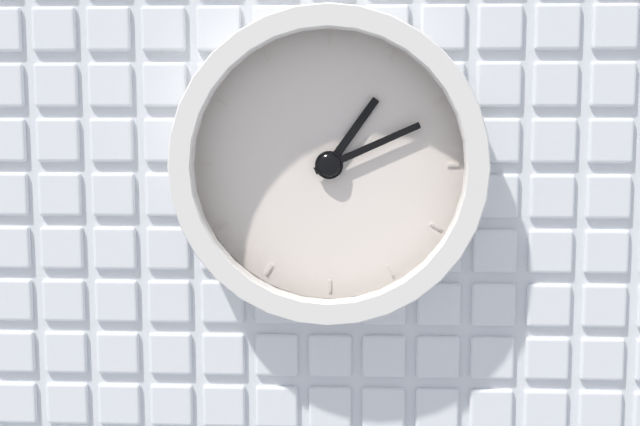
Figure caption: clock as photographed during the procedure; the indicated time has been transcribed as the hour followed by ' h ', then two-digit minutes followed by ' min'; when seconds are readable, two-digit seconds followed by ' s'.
1 h 11 min
